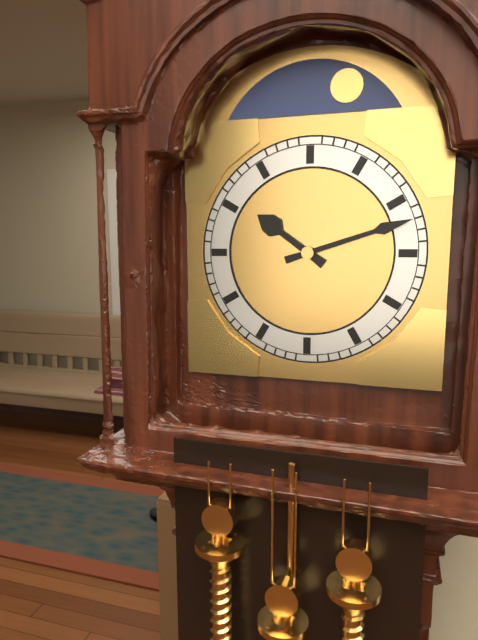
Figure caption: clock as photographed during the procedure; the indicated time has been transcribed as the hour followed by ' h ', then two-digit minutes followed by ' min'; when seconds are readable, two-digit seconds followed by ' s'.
10 h 12 min
